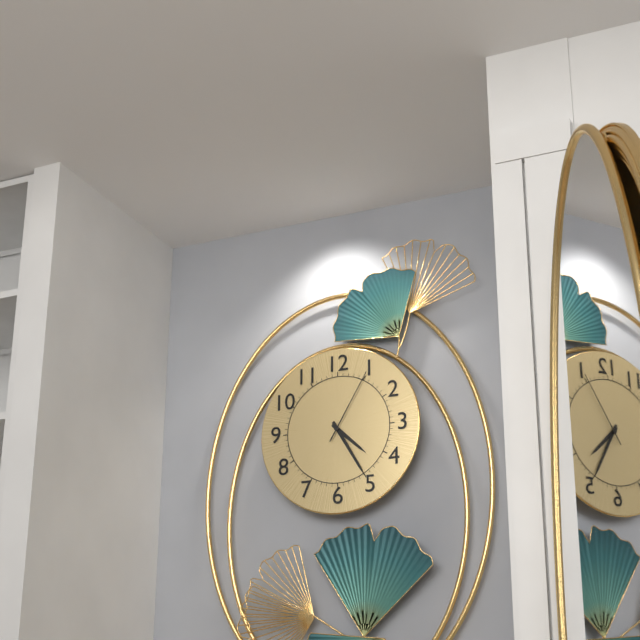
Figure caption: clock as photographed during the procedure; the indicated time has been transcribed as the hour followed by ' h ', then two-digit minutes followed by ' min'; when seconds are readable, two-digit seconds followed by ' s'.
4 h 25 min 05 s
